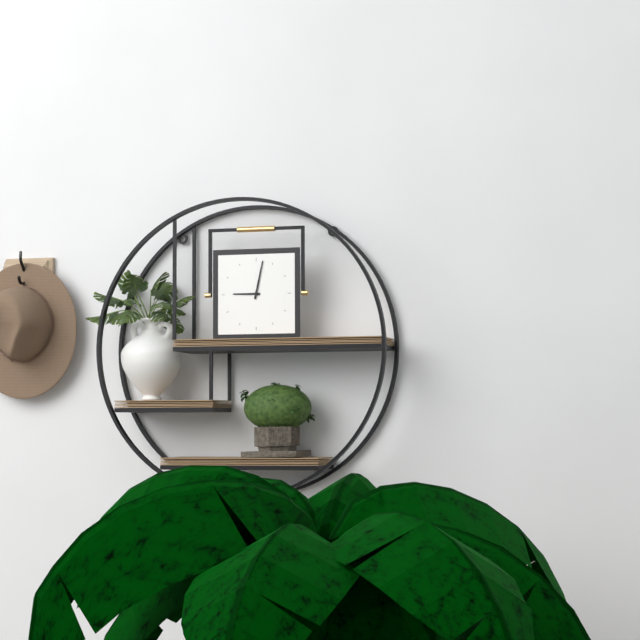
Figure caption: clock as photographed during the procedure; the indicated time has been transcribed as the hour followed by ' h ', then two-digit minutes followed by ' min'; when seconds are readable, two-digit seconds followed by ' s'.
9 h 02 min
